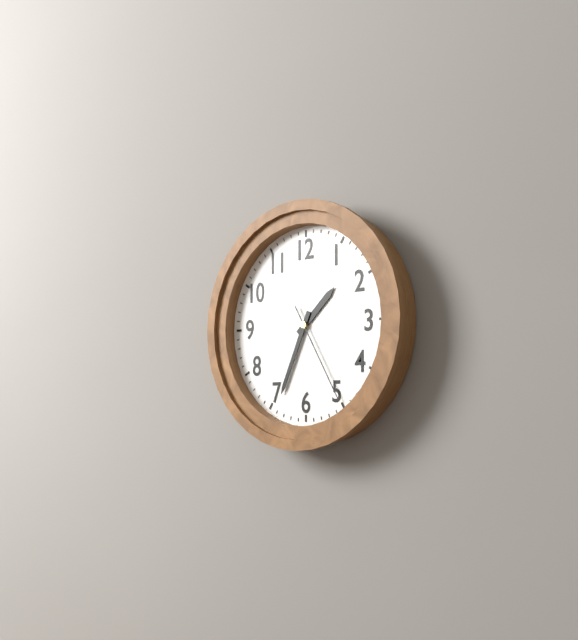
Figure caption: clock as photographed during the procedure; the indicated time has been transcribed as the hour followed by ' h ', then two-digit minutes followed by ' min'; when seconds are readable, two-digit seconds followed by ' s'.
1 h 34 min 25 s
